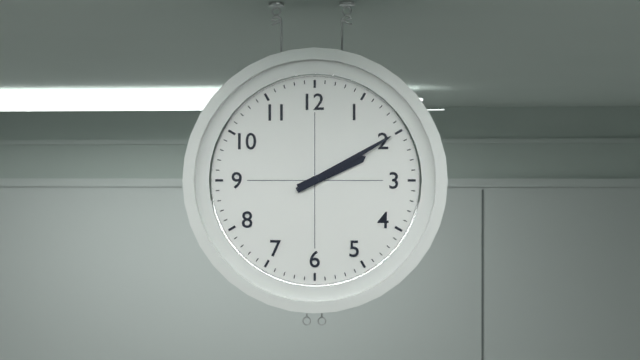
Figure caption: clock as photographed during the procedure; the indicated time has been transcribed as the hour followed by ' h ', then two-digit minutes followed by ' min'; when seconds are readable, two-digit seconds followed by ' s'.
2 h 10 min
